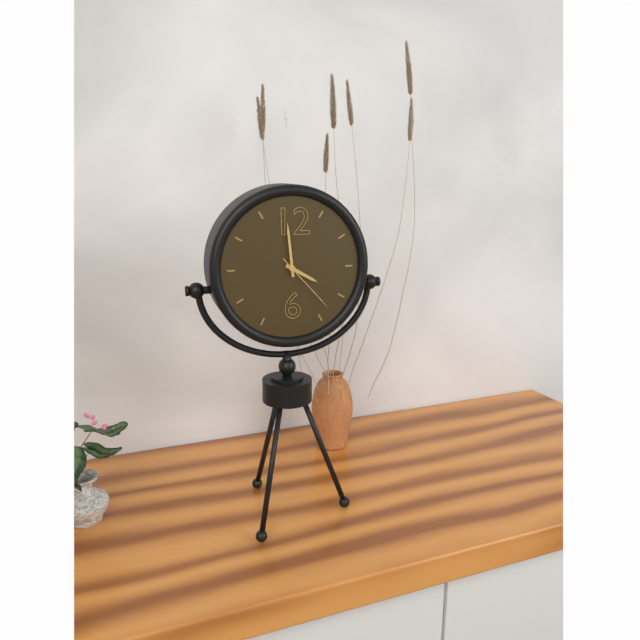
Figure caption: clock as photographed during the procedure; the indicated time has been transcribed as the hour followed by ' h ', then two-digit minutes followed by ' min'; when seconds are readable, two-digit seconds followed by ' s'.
3 h 59 min 23 s
